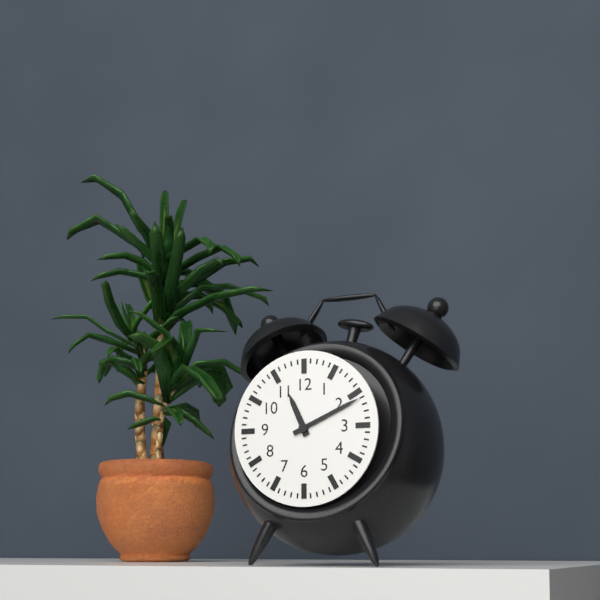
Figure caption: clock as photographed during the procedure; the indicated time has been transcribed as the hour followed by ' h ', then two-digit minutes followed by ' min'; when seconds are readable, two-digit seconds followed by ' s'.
11 h 11 min
